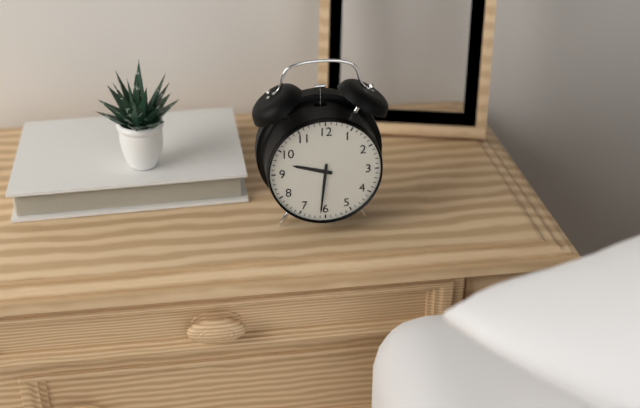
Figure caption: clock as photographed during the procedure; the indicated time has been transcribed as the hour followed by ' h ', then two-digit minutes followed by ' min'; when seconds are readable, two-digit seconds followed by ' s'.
9 h 31 min
